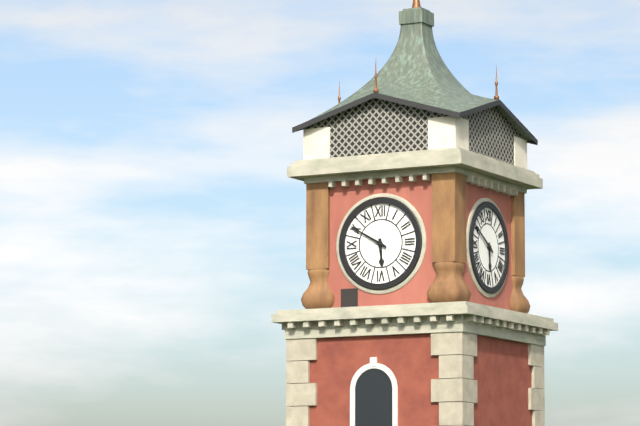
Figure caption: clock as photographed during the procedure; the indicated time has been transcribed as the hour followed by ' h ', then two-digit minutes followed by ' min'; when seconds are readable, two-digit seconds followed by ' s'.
5 h 50 min
